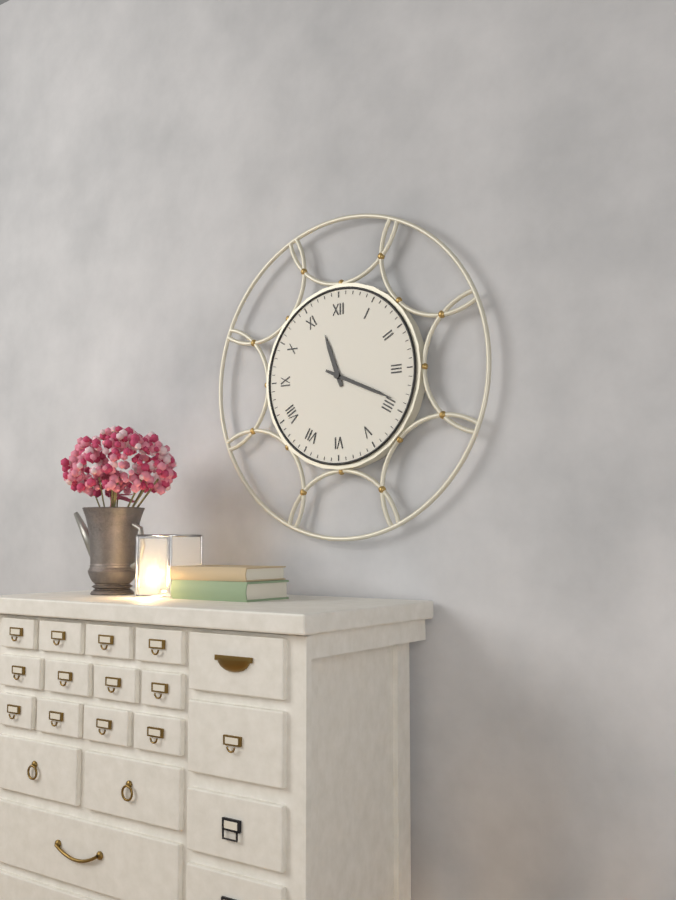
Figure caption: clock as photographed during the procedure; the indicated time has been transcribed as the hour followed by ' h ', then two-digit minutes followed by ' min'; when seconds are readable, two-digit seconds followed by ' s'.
11 h 19 min
